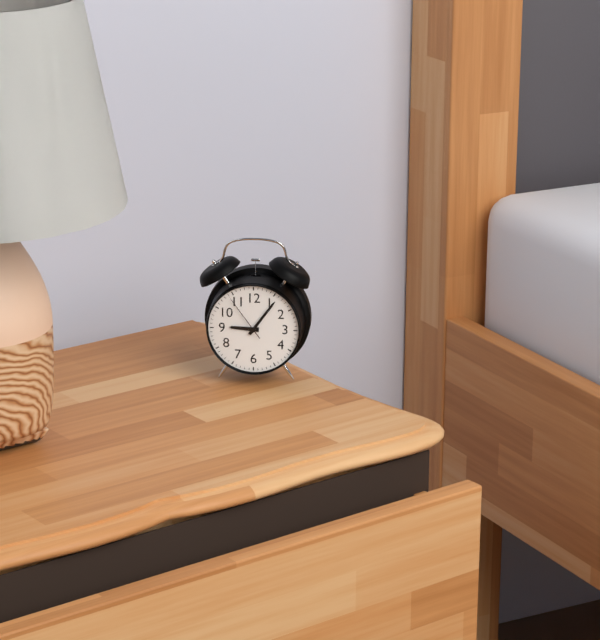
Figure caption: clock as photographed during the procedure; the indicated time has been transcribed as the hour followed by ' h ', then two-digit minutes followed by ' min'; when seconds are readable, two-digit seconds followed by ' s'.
9 h 06 min
